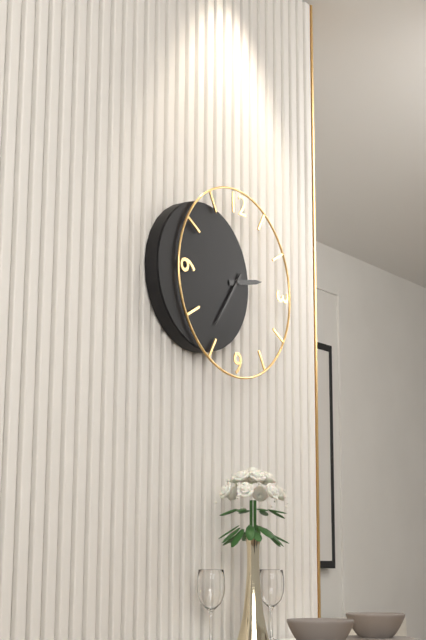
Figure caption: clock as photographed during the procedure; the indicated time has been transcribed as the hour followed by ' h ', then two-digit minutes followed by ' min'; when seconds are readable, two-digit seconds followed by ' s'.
2 h 36 min
